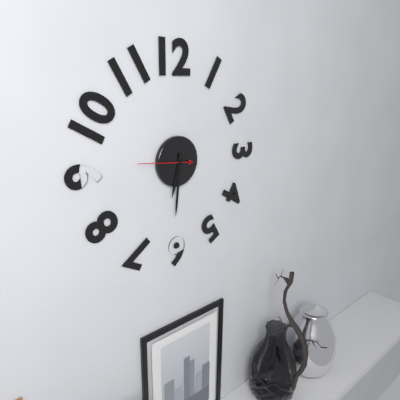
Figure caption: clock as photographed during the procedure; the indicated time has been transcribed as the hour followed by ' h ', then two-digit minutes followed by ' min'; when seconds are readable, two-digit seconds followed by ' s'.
6 h 31 min 46 s
